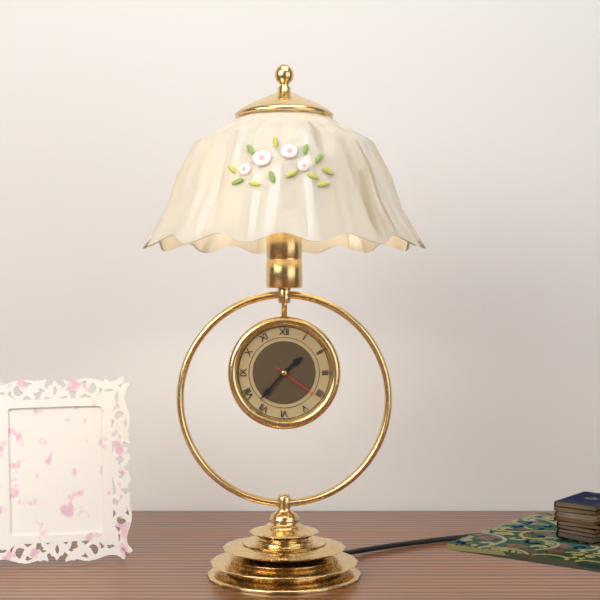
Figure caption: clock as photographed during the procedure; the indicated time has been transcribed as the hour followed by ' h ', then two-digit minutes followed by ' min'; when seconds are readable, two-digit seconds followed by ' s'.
1 h 37 min 21 s
